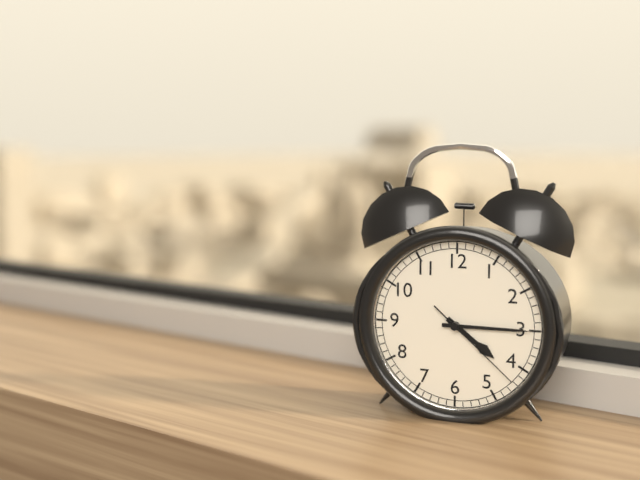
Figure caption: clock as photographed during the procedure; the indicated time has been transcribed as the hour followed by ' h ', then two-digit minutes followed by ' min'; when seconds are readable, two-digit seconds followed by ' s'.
4 h 15 min 22 s
